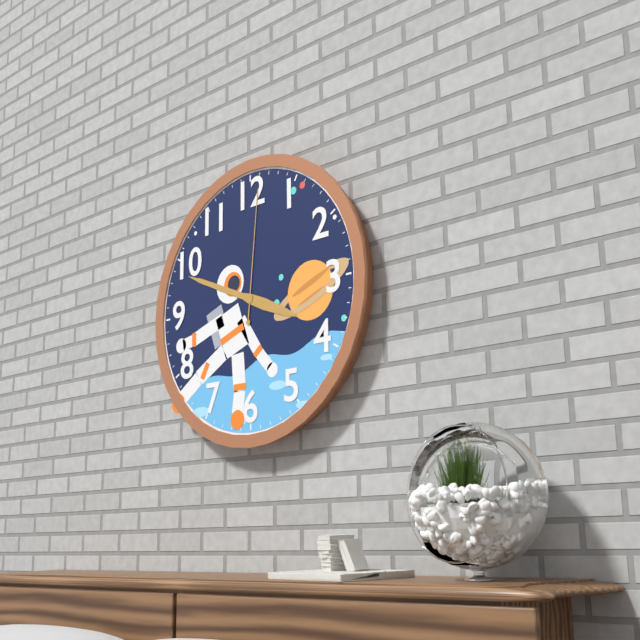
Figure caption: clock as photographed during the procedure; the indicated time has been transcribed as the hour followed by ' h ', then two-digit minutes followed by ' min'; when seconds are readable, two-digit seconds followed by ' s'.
3 h 49 min 01 s
